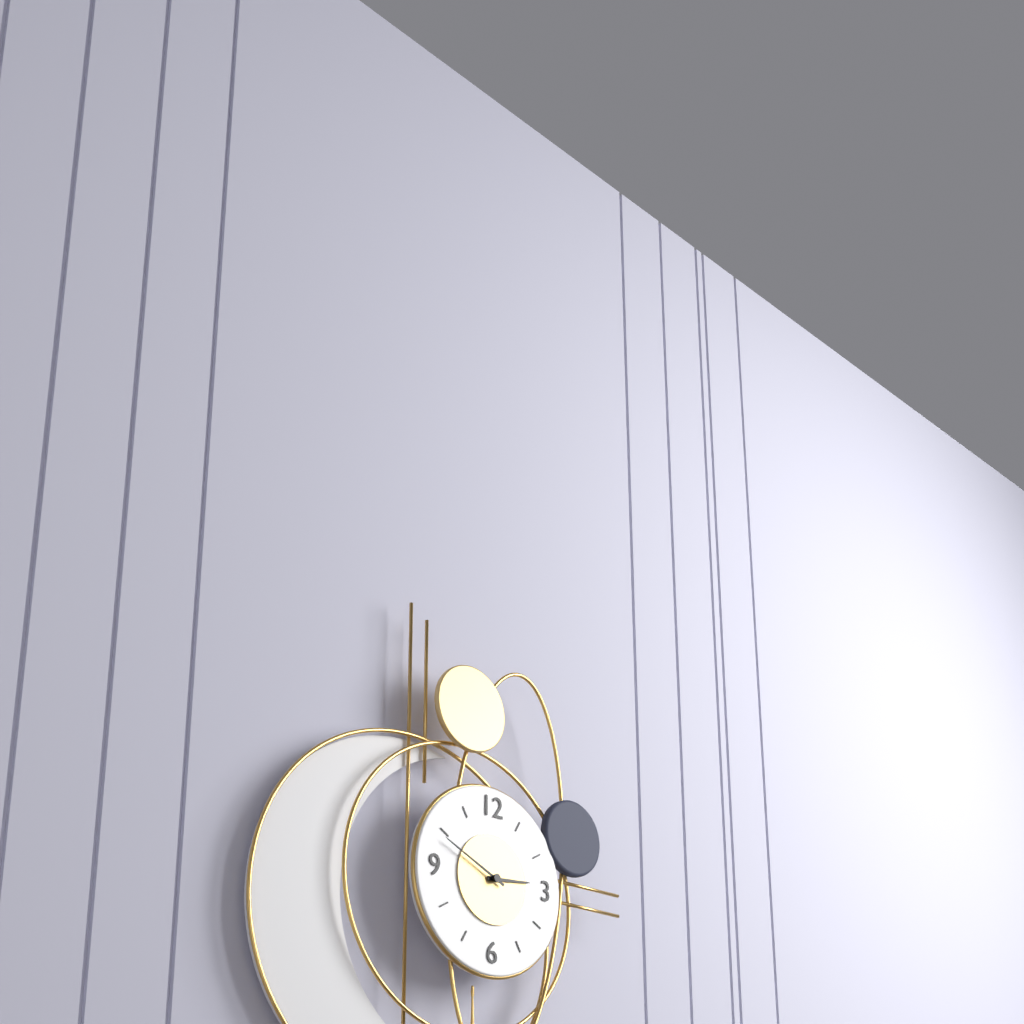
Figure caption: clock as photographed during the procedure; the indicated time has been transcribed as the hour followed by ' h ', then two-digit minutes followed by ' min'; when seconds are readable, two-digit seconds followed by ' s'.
2 h 49 min
